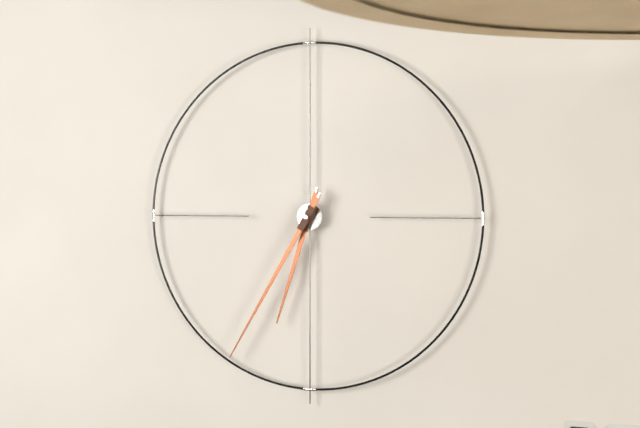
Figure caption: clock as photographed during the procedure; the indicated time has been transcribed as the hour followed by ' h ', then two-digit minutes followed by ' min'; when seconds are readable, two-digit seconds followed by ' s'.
6 h 35 min
